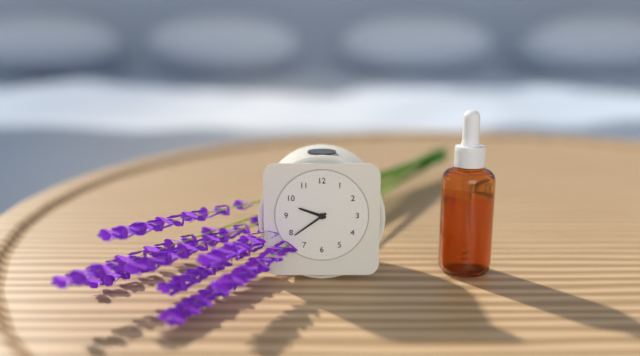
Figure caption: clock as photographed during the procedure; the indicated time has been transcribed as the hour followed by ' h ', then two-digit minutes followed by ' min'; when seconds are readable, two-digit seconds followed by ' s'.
9 h 39 min
